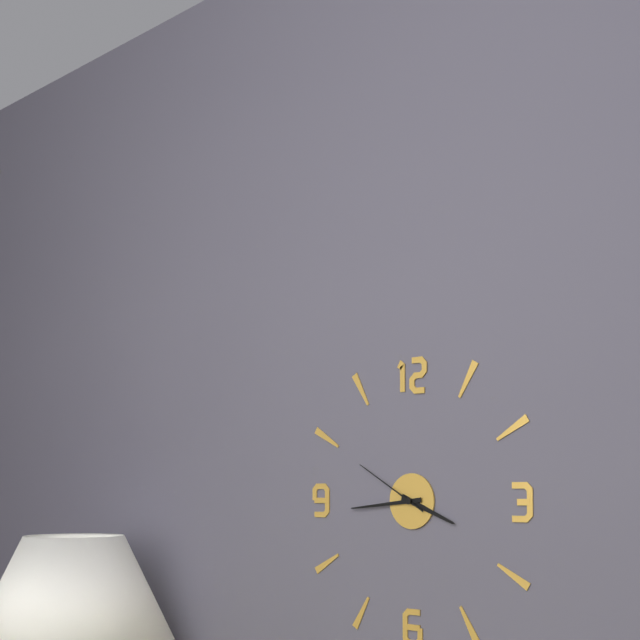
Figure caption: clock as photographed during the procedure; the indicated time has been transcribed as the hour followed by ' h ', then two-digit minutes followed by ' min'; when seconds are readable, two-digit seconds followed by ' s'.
3 h 44 min 50 s
